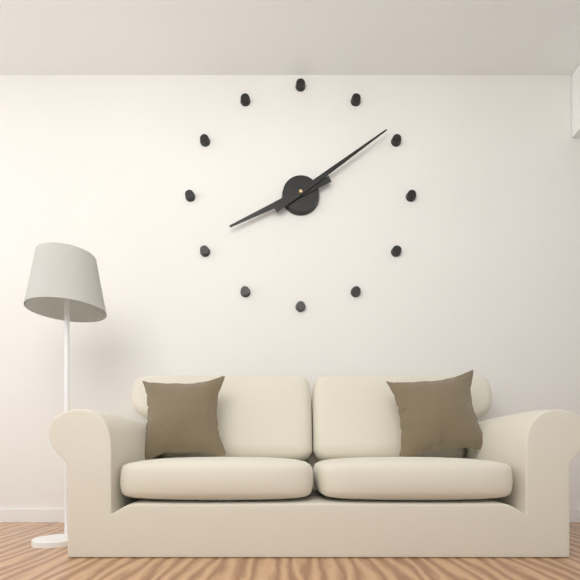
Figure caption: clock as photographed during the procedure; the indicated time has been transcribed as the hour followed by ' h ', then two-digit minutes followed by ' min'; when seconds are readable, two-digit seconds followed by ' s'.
8 h 09 min
